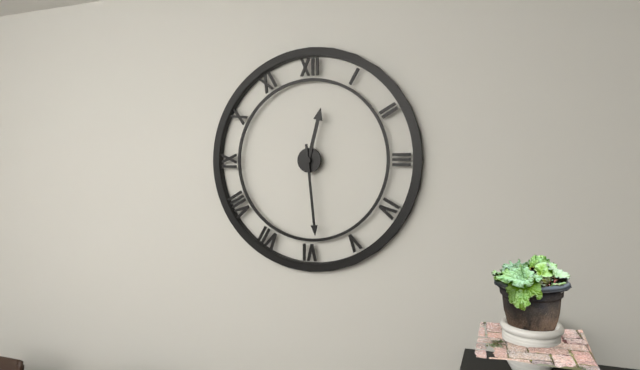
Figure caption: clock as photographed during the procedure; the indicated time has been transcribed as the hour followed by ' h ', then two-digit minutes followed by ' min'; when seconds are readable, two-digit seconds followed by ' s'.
12 h 29 min
